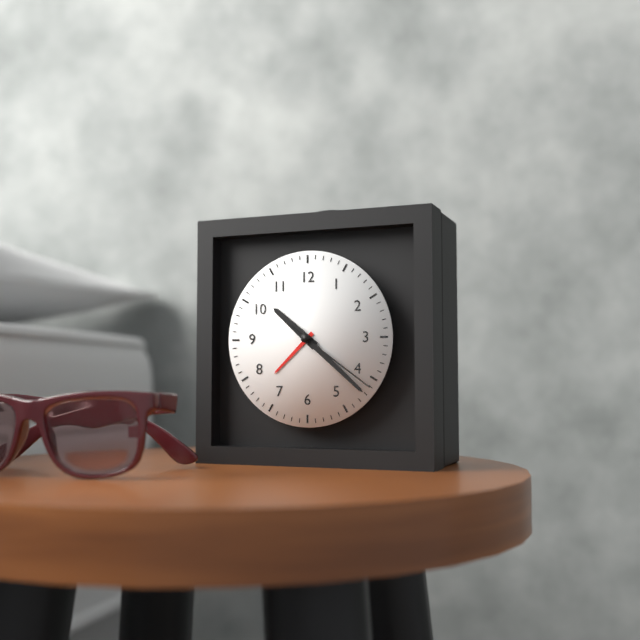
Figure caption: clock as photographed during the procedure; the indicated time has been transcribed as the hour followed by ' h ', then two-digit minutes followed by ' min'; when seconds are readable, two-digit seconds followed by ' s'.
10 h 22 min 21 s
